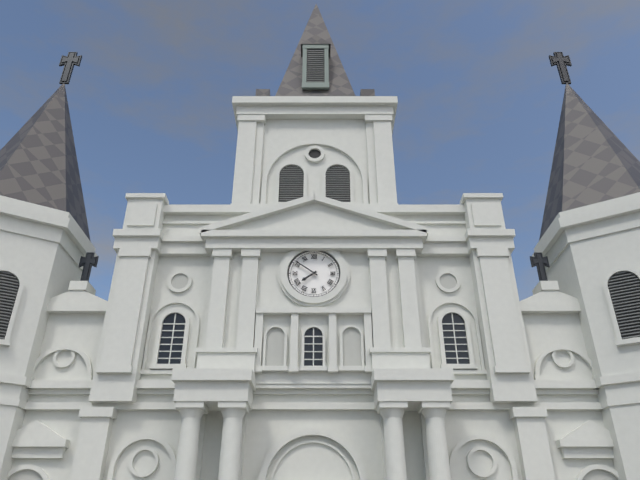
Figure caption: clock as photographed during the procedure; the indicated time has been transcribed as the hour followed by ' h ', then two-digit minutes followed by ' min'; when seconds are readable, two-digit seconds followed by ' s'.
7 h 51 min
